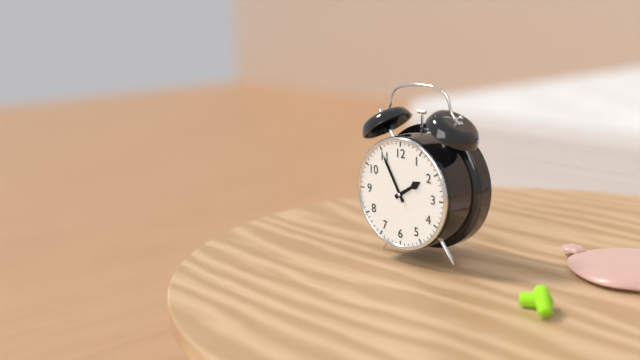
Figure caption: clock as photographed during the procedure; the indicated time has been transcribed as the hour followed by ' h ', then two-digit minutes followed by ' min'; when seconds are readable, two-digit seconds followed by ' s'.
1 h 55 min
